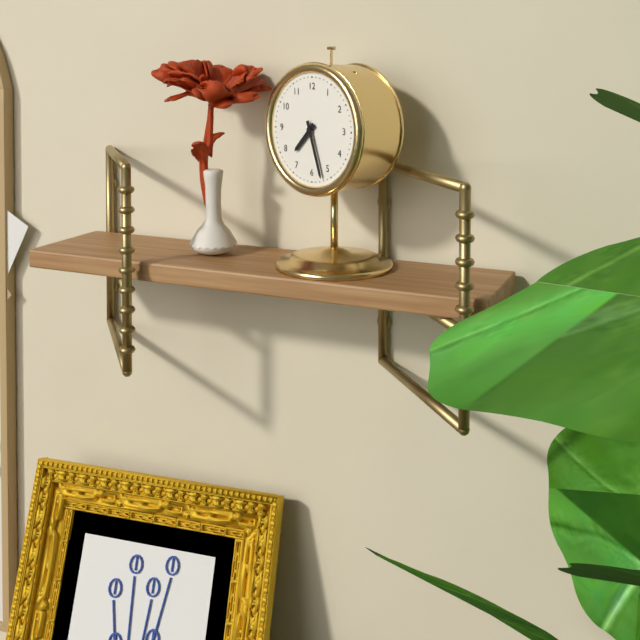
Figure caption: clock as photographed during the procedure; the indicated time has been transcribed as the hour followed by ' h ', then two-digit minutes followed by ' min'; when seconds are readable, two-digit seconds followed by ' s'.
7 h 27 min
